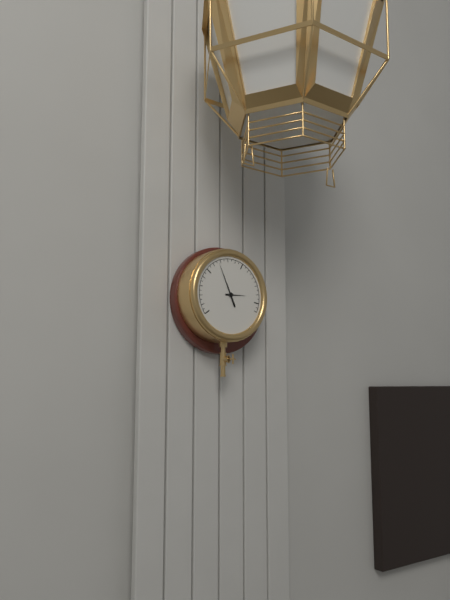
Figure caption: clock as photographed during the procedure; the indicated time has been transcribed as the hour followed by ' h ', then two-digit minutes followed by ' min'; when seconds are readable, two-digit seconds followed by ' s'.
2 h 56 min
